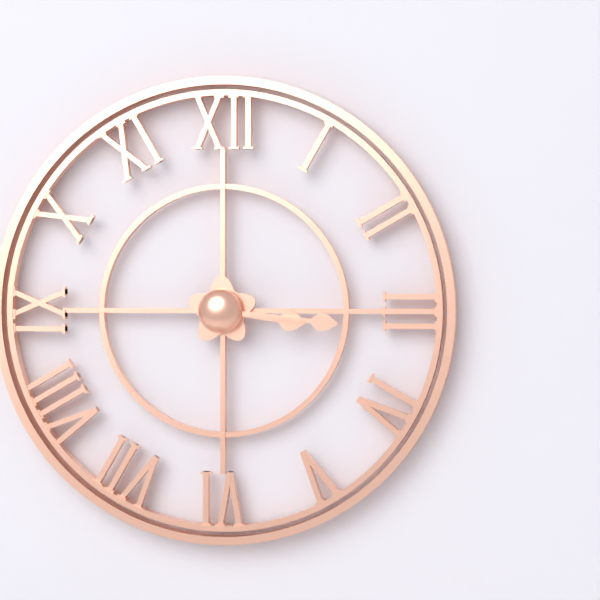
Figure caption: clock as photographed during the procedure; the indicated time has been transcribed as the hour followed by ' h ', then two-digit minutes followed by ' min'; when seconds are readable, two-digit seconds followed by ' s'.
3 h 16 min
